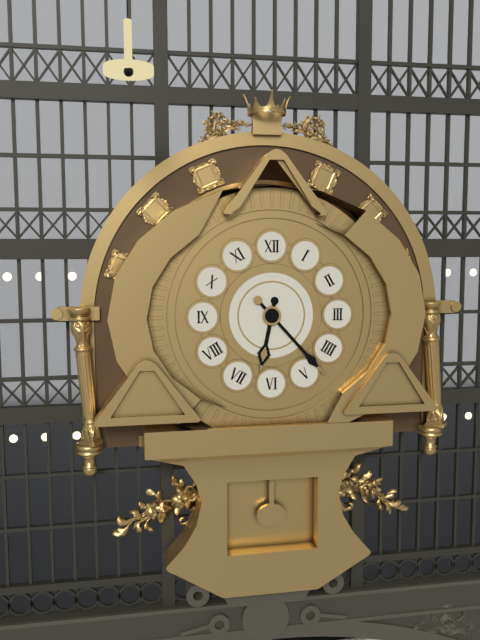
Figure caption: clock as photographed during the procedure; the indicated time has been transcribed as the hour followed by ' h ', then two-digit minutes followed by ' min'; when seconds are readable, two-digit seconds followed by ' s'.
6 h 23 min
